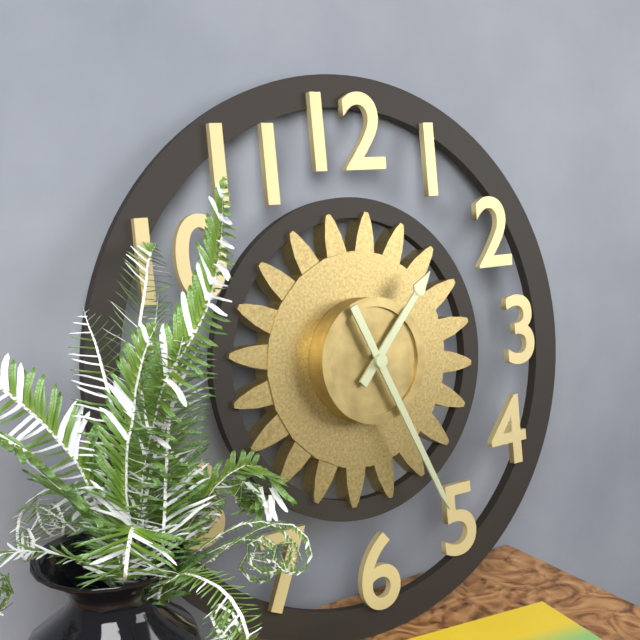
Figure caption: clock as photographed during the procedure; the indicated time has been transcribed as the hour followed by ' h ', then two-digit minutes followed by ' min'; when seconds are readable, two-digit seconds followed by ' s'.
1 h 26 min
